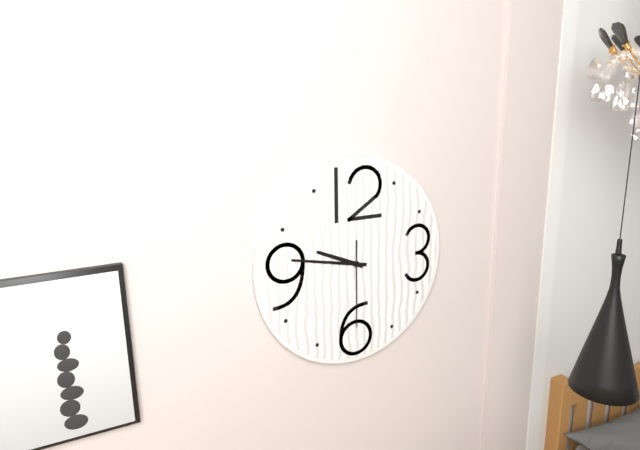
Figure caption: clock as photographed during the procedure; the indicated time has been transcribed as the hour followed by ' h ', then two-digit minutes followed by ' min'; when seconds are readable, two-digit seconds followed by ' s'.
9 h 47 min 30 s
